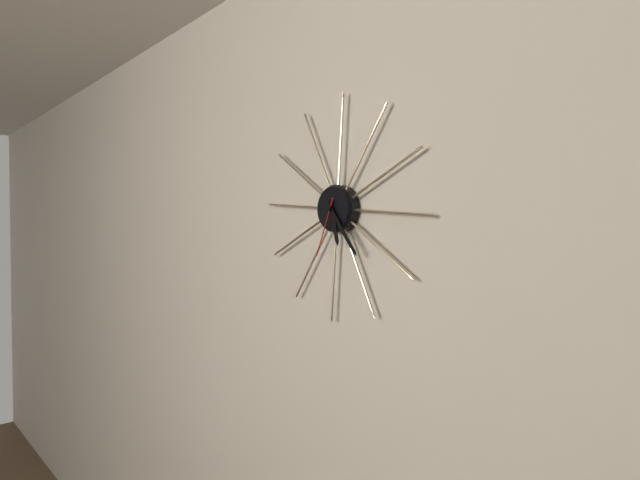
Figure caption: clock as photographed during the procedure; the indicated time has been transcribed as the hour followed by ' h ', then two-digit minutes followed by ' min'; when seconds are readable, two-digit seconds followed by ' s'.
5 h 23 min 33 s
